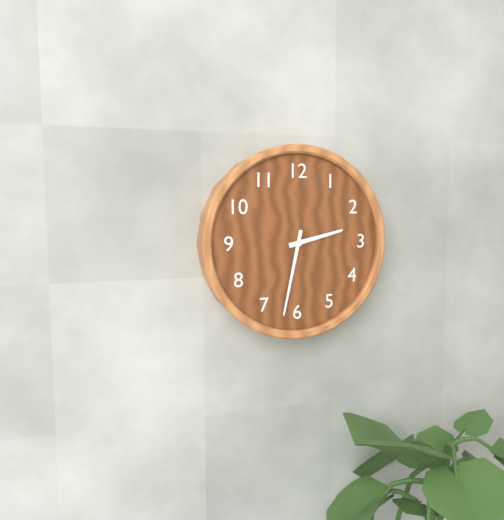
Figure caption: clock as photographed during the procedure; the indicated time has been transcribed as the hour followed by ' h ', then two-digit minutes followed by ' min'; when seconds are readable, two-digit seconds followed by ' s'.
2 h 32 min
